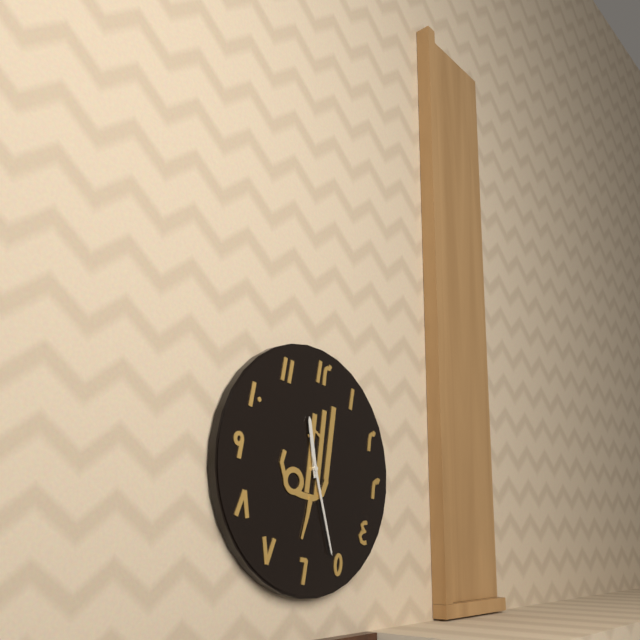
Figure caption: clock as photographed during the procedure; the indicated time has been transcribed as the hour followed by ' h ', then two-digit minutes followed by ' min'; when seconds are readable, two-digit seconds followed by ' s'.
11 h 26 min
